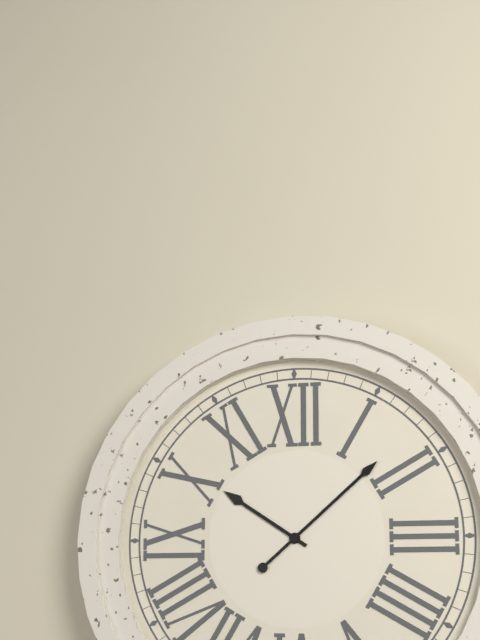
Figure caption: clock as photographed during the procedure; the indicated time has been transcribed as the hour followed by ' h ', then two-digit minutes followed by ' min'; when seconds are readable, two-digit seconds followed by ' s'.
10 h 08 min
